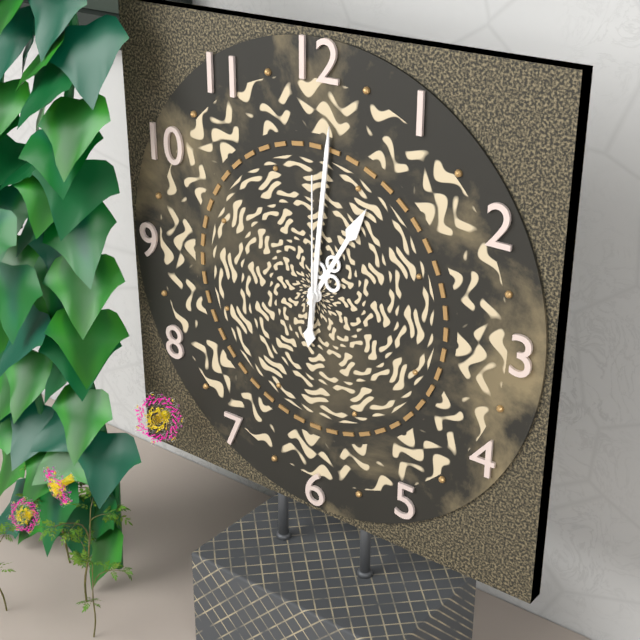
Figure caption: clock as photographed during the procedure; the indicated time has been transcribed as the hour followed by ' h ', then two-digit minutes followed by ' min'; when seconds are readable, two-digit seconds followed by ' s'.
1 h 01 min 00 s
